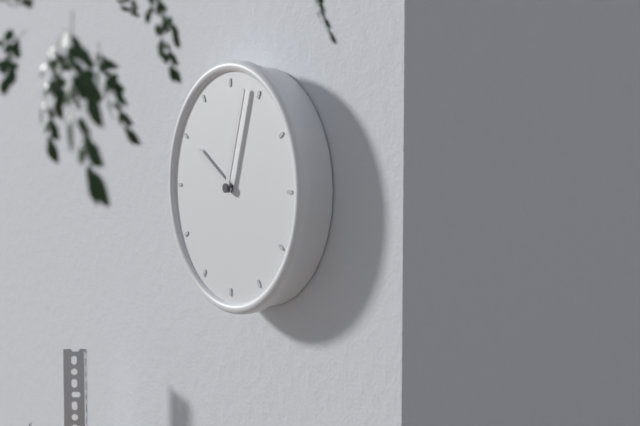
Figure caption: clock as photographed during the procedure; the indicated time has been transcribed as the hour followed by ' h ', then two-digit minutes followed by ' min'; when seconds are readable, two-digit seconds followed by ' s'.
10 h 03 min
